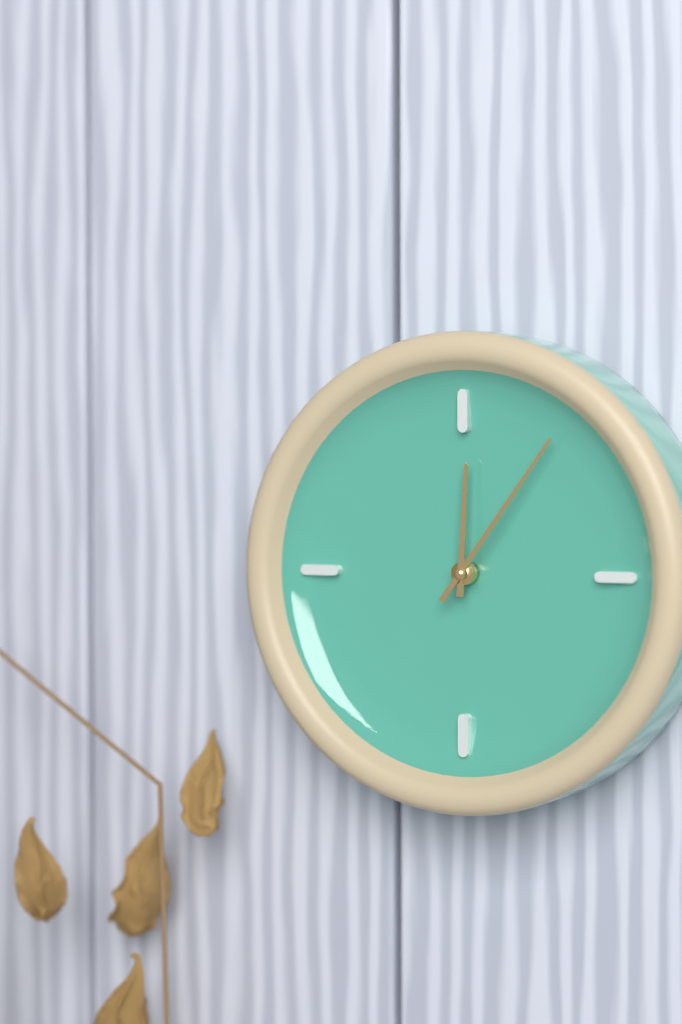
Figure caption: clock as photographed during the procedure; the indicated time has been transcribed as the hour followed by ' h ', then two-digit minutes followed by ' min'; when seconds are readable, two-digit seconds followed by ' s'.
12 h 06 min
